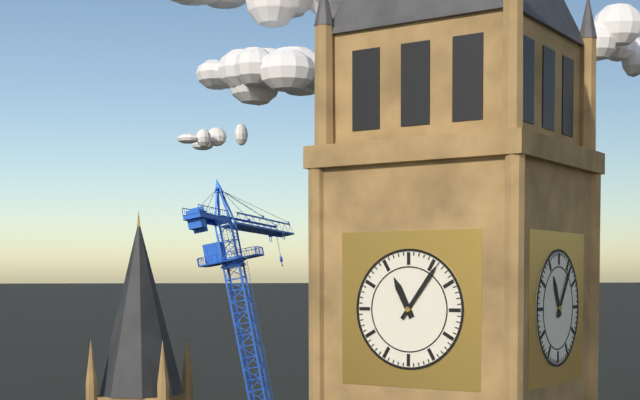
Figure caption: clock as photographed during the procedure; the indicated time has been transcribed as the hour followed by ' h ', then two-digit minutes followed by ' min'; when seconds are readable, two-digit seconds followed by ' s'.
11 h 06 min
